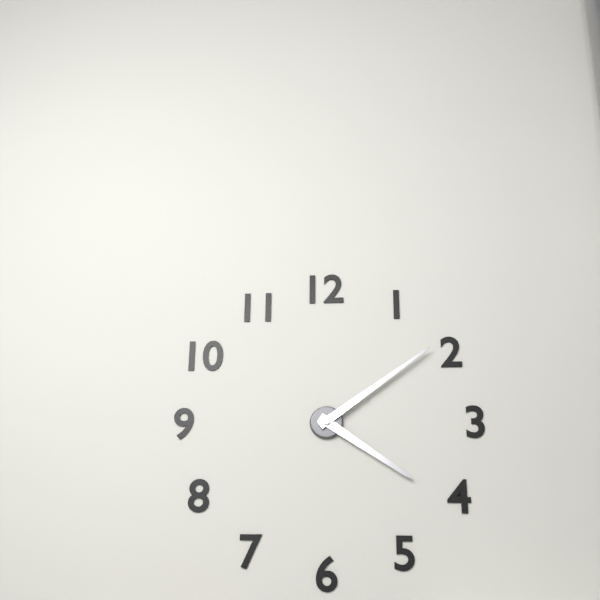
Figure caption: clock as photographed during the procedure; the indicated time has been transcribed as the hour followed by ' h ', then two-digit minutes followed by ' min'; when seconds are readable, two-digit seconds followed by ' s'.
4 h 09 min
